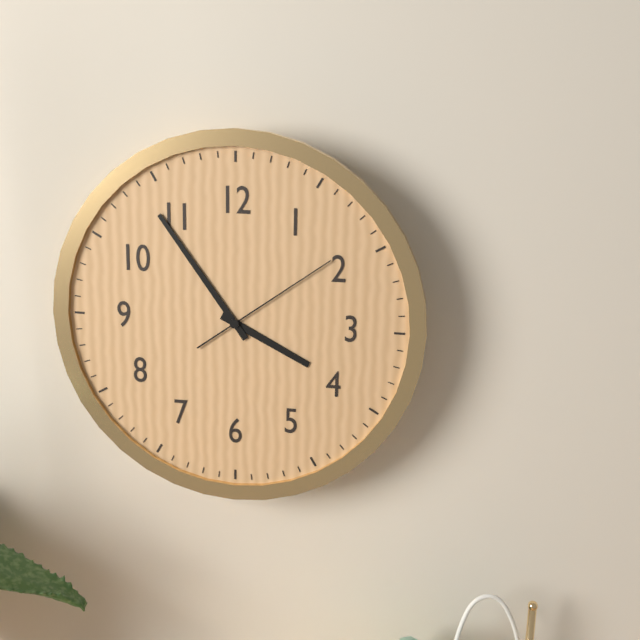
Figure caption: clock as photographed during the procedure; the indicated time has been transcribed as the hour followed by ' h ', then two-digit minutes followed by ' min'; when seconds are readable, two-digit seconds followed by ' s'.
3 h 54 min 09 s
